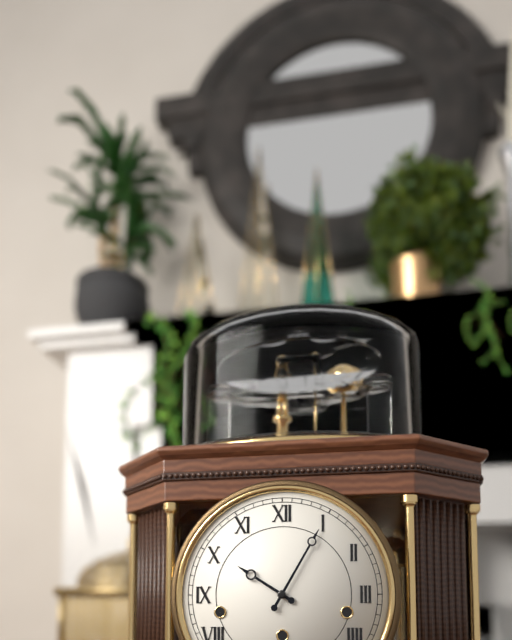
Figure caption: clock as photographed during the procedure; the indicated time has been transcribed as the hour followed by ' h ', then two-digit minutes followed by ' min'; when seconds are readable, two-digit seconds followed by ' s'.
10 h 05 min
